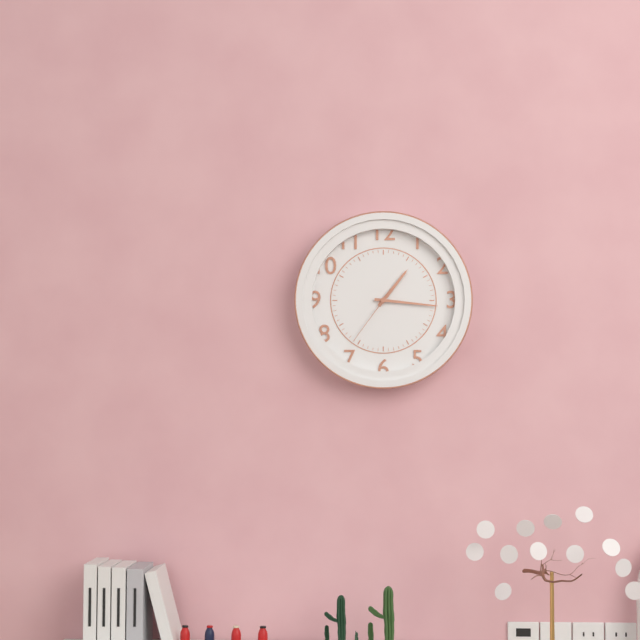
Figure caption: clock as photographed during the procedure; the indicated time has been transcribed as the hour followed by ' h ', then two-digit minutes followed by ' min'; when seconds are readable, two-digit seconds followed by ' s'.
1 h 16 min 36 s
